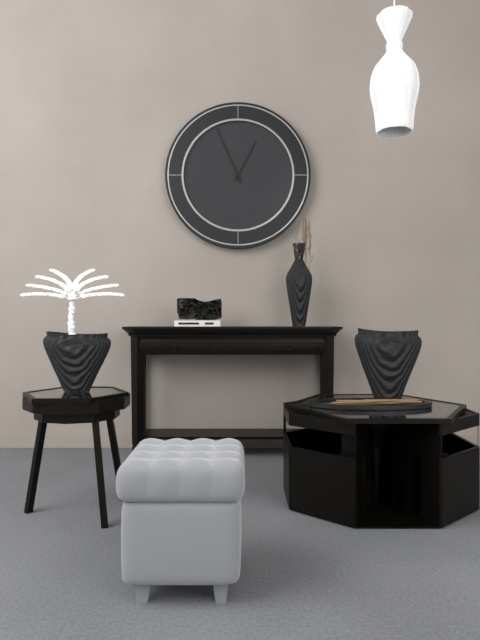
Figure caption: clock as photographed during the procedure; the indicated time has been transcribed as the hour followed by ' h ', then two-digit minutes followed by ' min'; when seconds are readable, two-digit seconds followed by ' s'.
12 h 56 min
